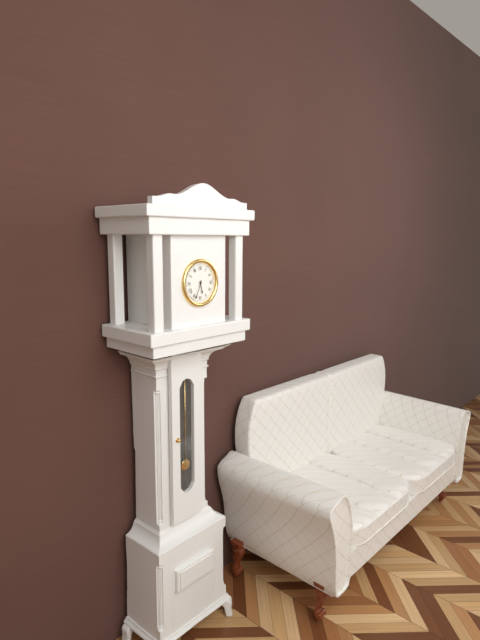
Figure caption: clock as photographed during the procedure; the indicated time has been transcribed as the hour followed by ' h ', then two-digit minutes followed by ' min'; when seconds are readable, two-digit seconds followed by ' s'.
5 h 34 min
